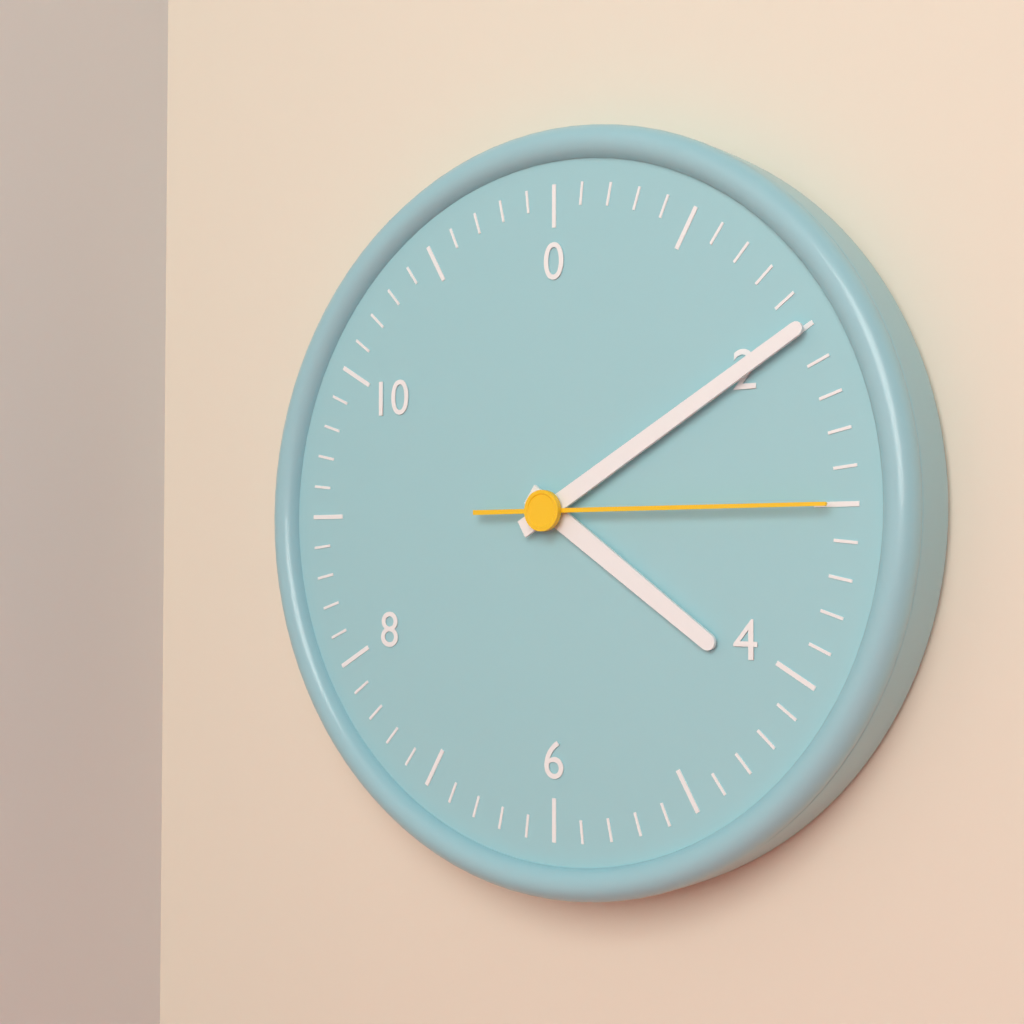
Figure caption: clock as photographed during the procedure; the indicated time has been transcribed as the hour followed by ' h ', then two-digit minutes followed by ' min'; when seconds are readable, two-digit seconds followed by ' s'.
4 h 10 min 15 s
